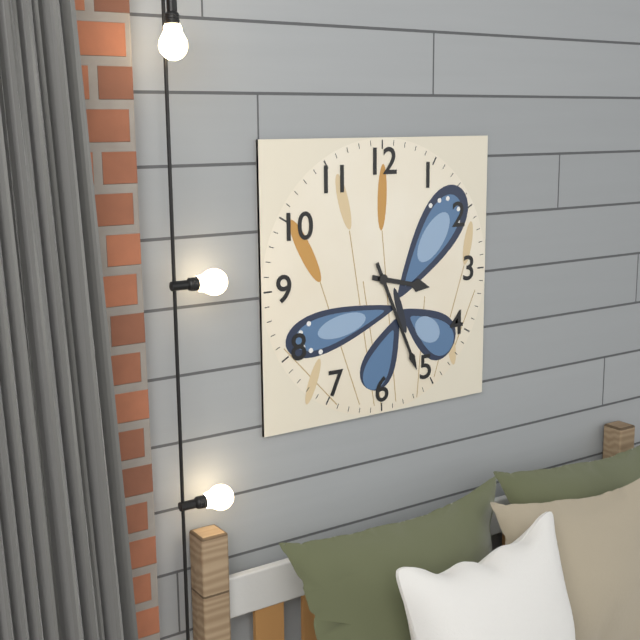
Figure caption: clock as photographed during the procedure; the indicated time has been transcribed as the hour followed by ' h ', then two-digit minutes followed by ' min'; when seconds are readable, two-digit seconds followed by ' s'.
3 h 26 min
